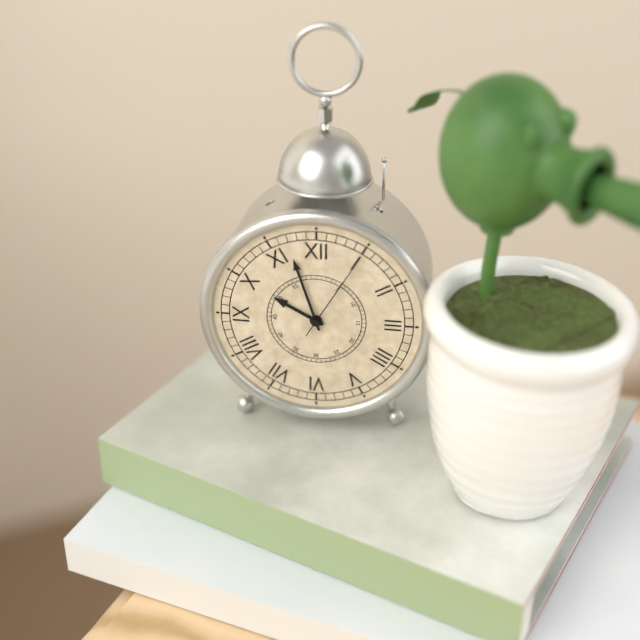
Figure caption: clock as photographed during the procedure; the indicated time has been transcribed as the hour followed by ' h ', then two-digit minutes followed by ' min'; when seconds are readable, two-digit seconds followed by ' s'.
9 h 57 min 05 s
